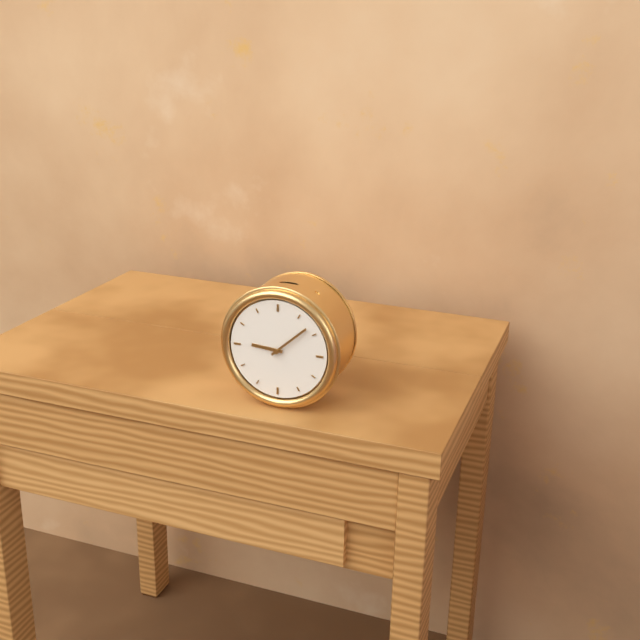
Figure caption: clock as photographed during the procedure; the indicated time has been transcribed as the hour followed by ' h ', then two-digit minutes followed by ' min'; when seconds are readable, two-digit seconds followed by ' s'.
9 h 08 min
